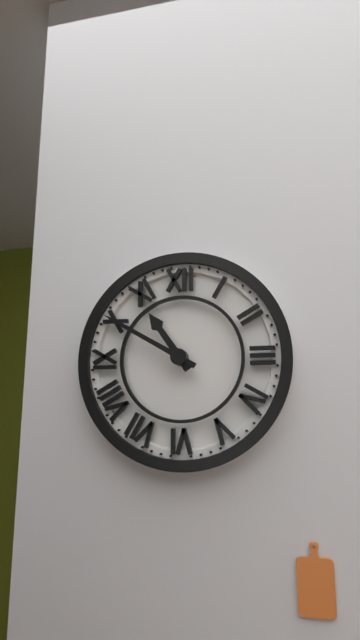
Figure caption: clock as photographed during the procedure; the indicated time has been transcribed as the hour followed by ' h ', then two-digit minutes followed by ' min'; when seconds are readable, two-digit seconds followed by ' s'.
10 h 50 min
